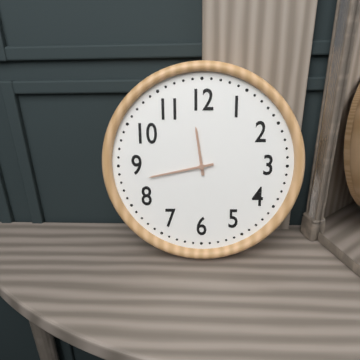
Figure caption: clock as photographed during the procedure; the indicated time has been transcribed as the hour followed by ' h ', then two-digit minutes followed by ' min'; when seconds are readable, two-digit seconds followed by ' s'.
11 h 43 min
